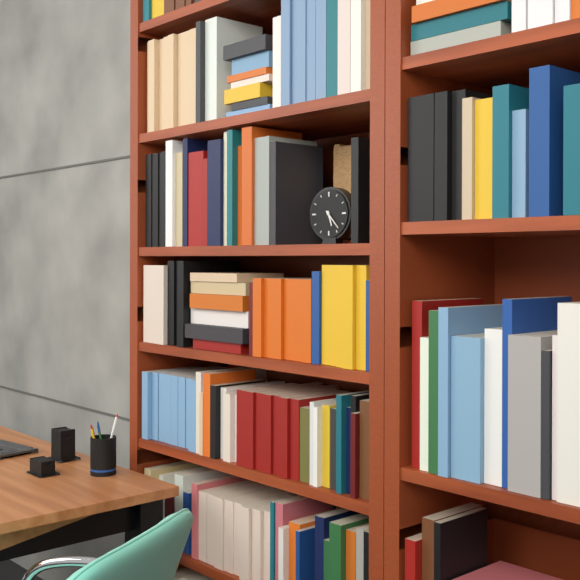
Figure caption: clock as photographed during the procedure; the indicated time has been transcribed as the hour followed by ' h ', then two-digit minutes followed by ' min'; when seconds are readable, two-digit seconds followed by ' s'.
5 h 23 min
